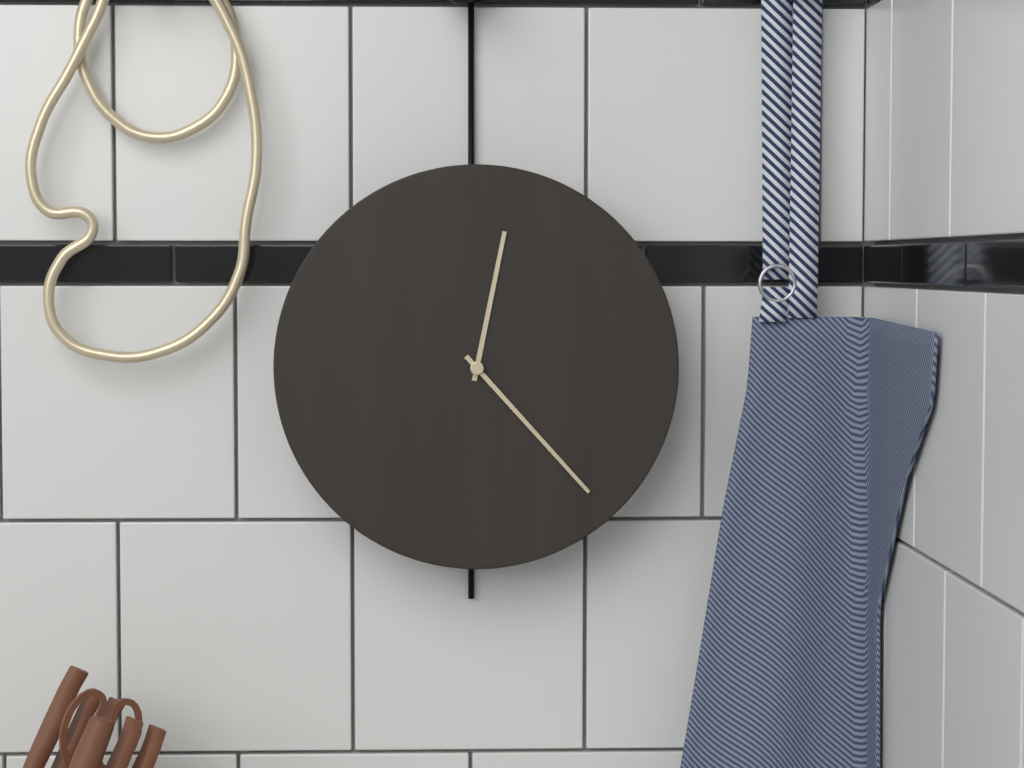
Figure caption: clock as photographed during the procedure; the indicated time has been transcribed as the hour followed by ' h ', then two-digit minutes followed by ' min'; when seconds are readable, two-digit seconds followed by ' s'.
12 h 23 min
